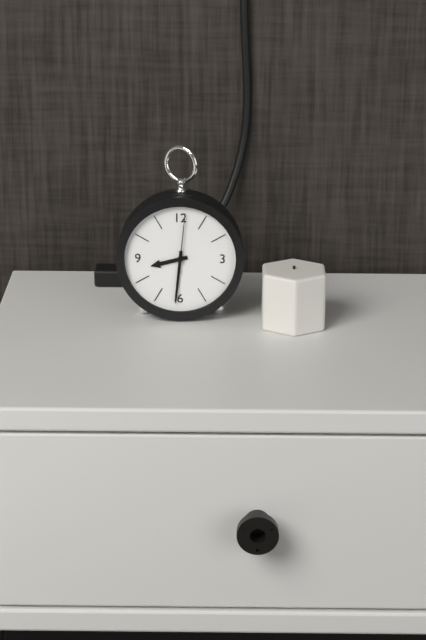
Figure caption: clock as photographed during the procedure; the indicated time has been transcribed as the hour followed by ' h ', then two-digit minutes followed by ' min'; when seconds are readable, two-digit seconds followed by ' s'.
8 h 31 min 01 s
